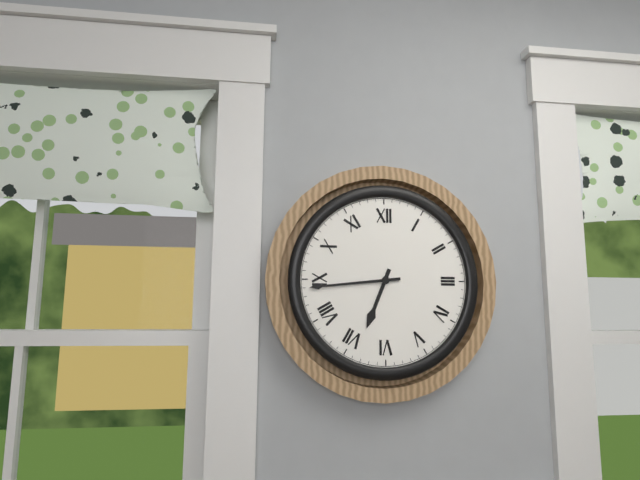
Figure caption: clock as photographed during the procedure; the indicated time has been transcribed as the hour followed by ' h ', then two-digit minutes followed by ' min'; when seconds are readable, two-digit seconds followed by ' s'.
6 h 44 min
